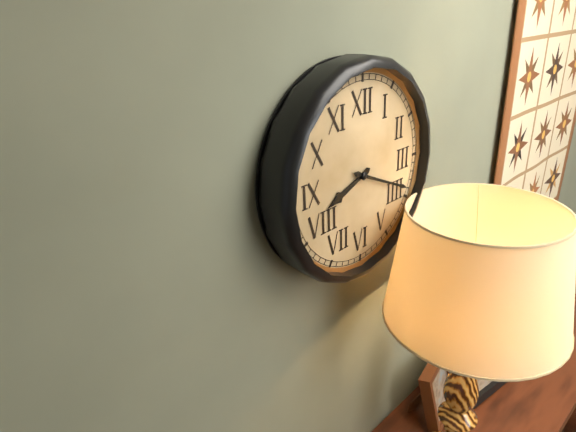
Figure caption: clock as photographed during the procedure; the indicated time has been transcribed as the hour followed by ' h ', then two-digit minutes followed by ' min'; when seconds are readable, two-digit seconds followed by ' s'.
8 h 19 min
